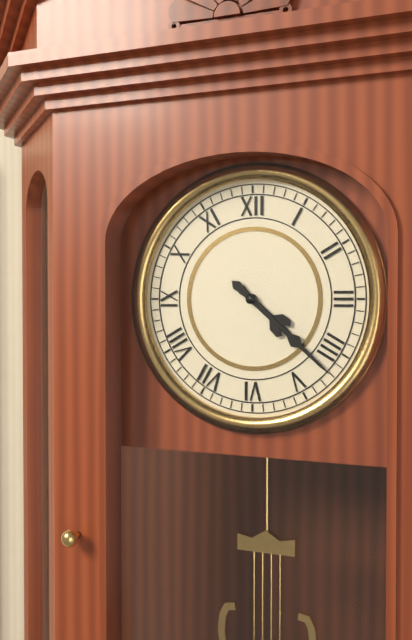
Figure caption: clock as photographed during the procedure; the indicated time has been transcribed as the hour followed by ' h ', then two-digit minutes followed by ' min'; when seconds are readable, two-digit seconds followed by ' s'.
4 h 22 min
